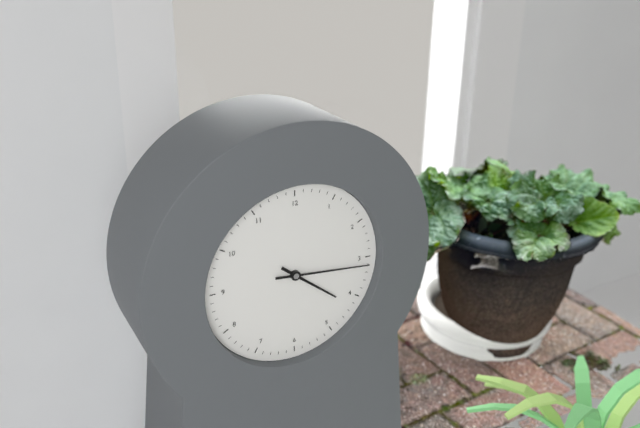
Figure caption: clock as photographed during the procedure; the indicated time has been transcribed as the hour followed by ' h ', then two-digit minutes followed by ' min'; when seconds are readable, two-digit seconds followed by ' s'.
4 h 16 min
